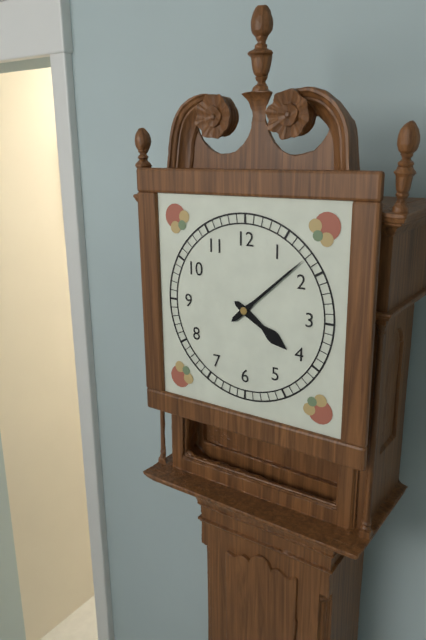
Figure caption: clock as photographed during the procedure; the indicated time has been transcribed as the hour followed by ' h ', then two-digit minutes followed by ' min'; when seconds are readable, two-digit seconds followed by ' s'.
4 h 08 min
